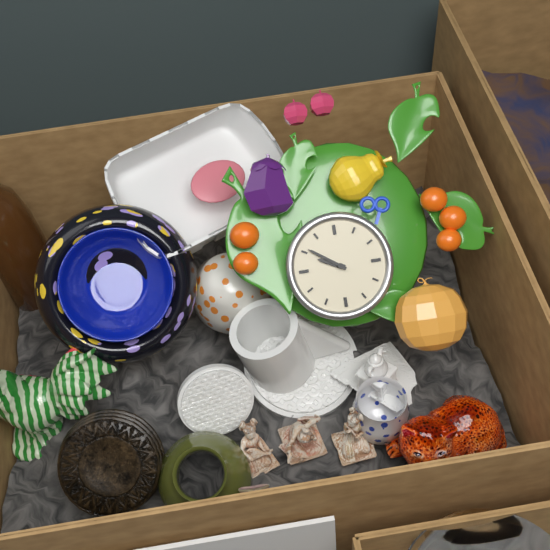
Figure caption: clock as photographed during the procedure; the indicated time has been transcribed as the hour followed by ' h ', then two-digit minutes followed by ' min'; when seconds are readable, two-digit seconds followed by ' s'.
9 h 51 min
